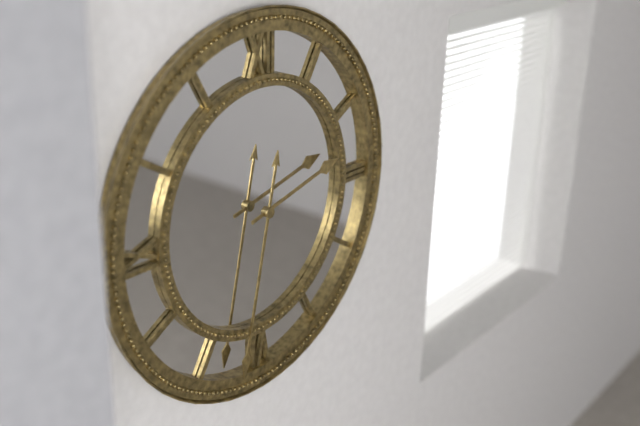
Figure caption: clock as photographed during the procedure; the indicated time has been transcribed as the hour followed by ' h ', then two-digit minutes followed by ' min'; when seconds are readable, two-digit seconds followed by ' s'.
2 h 32 min
